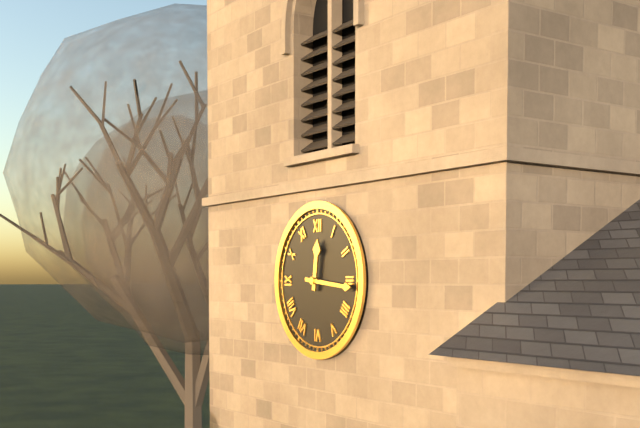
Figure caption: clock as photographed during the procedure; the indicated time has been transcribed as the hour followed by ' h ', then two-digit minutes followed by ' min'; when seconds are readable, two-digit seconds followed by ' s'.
12 h 16 min
